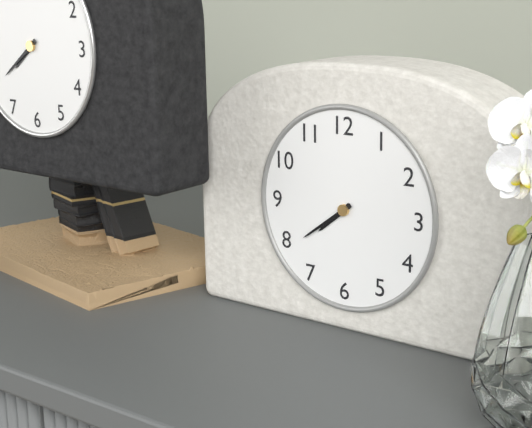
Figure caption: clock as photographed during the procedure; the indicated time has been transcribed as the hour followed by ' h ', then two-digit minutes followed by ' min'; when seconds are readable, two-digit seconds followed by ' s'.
7 h 39 min
